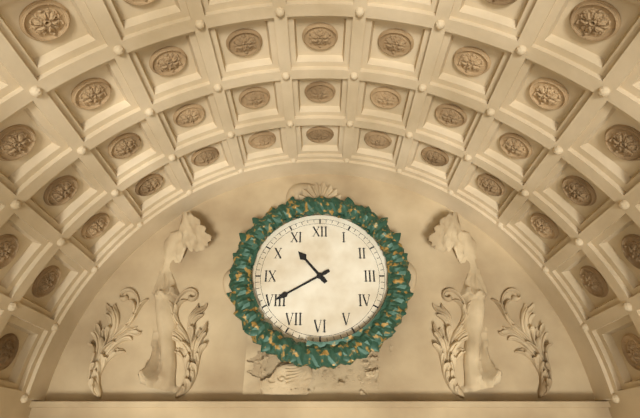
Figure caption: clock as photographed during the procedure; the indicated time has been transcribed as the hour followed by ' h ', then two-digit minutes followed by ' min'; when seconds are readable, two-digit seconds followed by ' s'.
10 h 40 min
